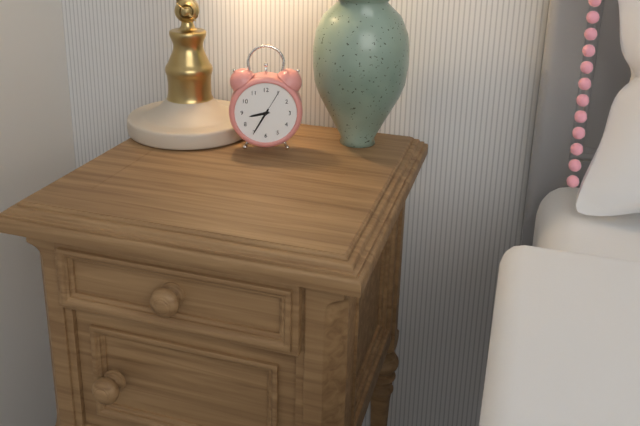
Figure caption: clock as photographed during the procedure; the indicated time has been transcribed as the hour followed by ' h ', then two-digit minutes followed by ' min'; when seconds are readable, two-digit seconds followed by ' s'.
8 h 35 min
